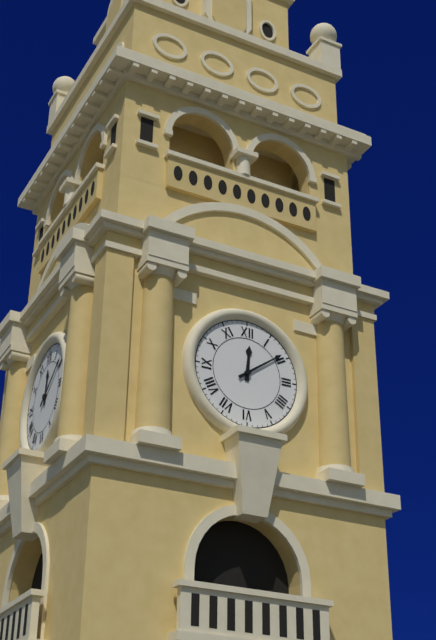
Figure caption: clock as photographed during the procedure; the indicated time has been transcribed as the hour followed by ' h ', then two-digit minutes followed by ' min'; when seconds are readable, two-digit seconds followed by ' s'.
12 h 09 min
